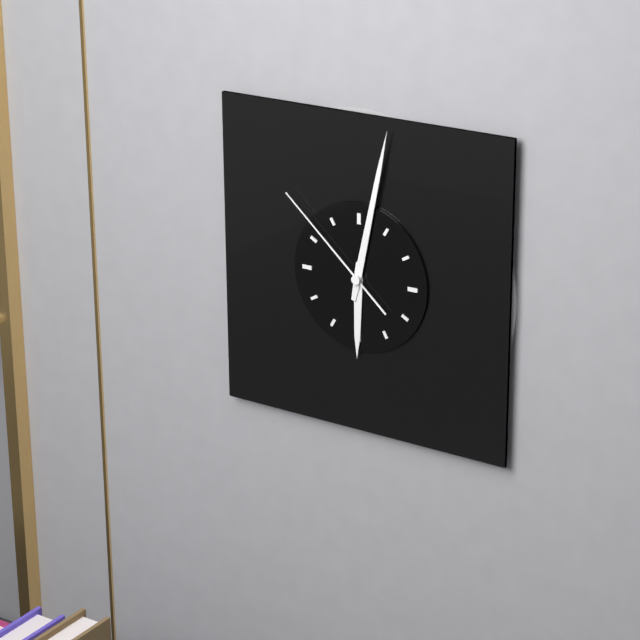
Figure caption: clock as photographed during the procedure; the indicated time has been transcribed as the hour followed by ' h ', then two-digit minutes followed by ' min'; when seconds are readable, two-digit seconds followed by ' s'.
6 h 02 min 52 s
